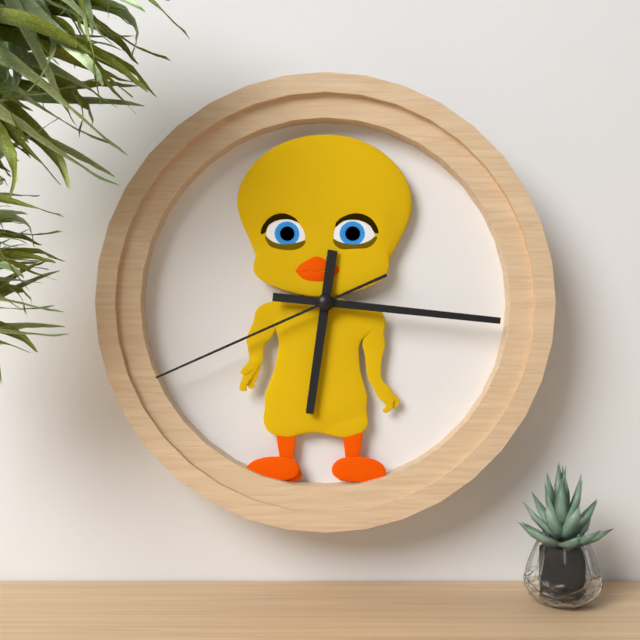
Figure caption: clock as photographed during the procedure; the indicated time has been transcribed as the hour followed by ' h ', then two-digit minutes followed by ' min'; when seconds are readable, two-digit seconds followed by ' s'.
6 h 16 min 41 s
